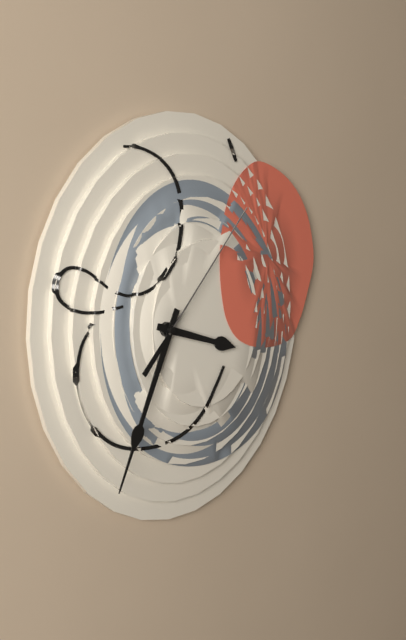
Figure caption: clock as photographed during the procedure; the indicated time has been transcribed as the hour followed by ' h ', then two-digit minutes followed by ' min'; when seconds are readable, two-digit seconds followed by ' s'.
3 h 34 min 07 s
